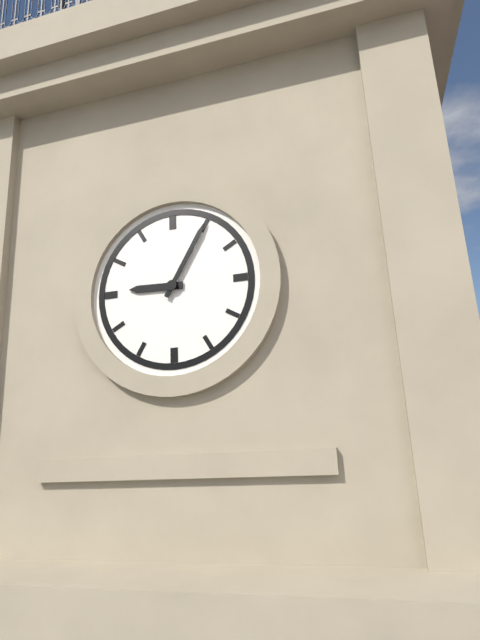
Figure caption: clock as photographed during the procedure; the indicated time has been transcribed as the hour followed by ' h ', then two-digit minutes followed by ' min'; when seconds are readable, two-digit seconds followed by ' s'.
9 h 05 min
